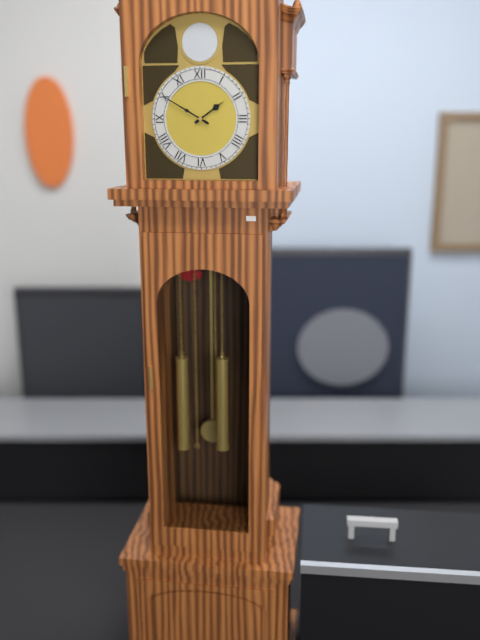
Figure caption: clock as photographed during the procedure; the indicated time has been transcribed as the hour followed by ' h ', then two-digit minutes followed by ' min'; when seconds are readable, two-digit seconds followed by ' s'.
1 h 50 min
